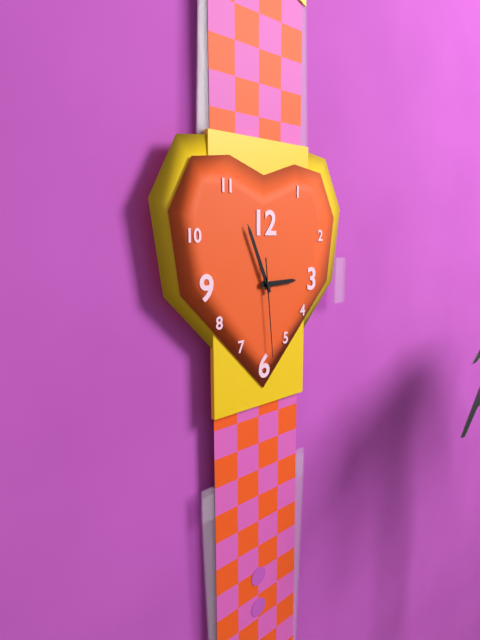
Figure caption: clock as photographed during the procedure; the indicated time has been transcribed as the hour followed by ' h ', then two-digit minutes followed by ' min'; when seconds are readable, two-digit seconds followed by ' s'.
2 h 56 min 29 s
